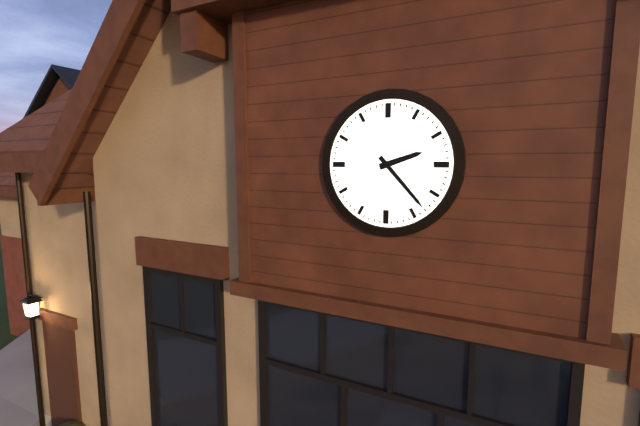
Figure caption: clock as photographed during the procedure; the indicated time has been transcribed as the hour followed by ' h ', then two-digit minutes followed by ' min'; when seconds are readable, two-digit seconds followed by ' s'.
2 h 23 min
